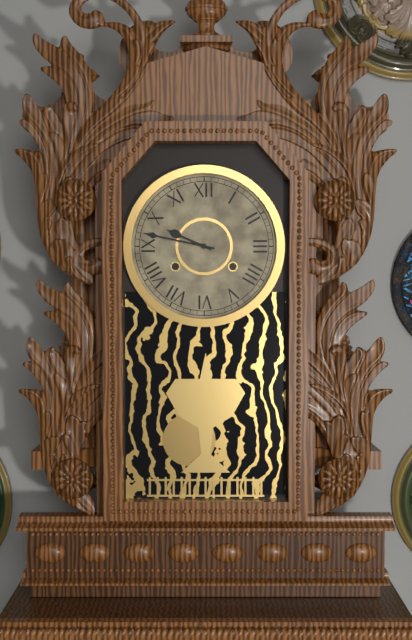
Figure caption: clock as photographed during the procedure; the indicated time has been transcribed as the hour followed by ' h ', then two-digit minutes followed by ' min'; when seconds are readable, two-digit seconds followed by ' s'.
9 h 47 min
